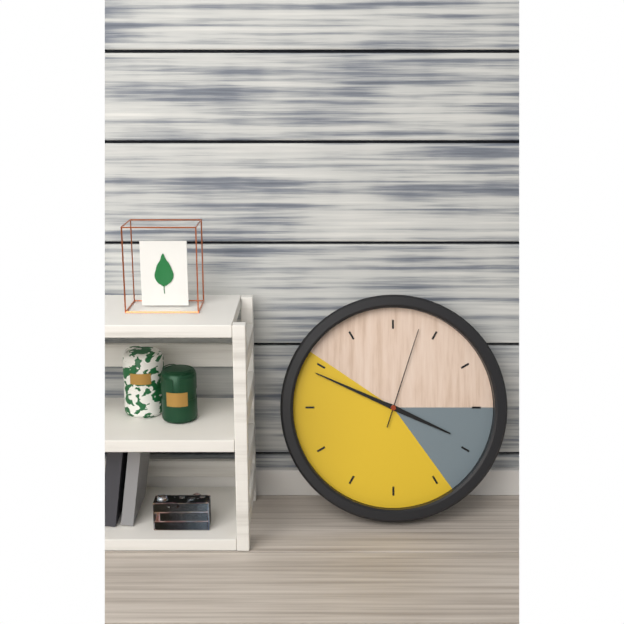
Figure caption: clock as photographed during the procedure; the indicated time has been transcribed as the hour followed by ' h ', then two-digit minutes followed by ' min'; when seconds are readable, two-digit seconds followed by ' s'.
3 h 49 min 03 s
